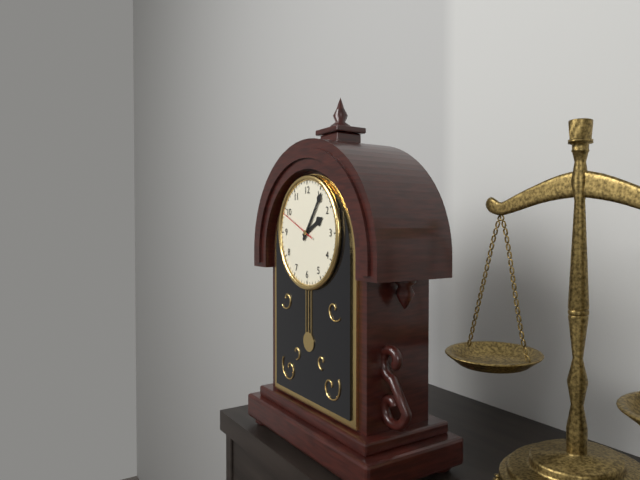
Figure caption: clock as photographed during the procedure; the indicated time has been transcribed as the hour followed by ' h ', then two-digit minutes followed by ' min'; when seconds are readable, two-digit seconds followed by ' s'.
2 h 06 min
